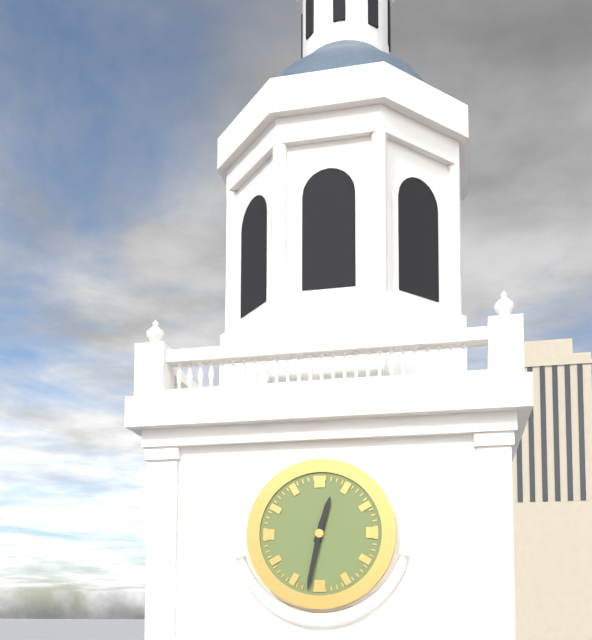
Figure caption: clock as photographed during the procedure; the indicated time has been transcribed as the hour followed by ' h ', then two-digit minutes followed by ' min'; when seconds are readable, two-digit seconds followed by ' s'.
12 h 32 min
